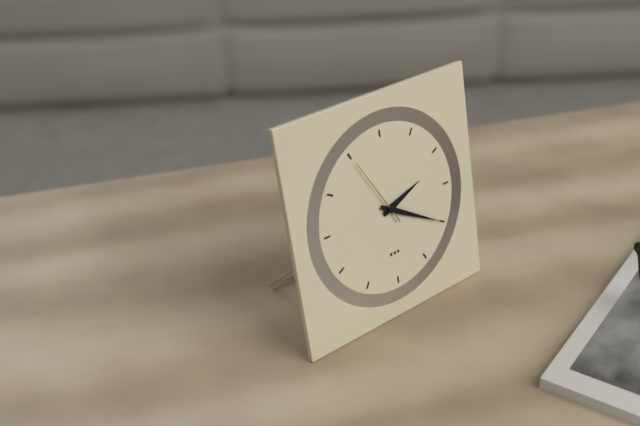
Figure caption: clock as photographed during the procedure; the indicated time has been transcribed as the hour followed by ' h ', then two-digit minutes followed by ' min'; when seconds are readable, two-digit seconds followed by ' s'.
2 h 20 min 55 s
